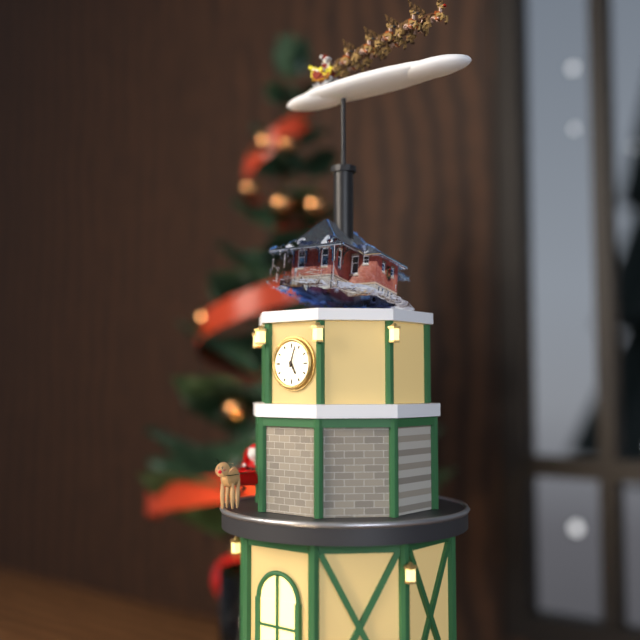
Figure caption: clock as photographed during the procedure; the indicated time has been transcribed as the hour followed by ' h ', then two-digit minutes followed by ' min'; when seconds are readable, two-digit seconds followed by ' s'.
5 h 03 min
